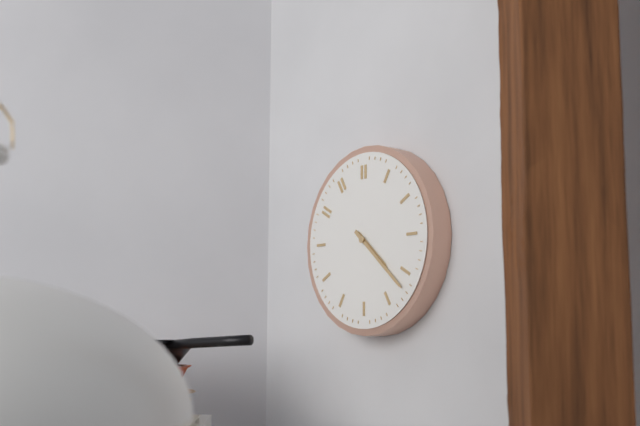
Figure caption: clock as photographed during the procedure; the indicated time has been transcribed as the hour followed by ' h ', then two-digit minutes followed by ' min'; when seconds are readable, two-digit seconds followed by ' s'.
4 h 22 min
